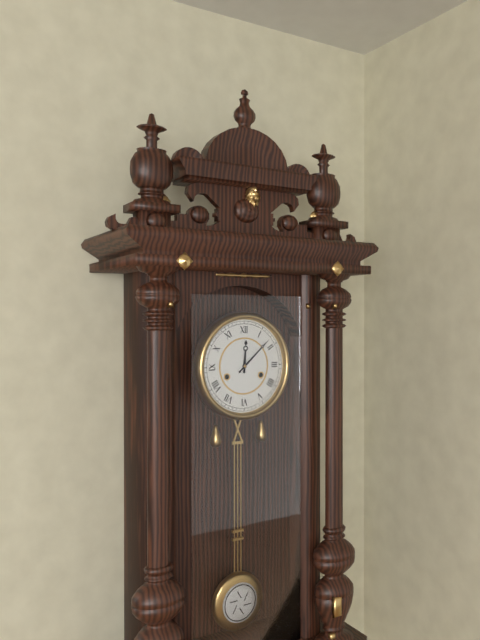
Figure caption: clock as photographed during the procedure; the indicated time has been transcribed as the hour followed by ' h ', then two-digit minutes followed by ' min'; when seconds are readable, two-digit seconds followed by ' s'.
12 h 08 min
